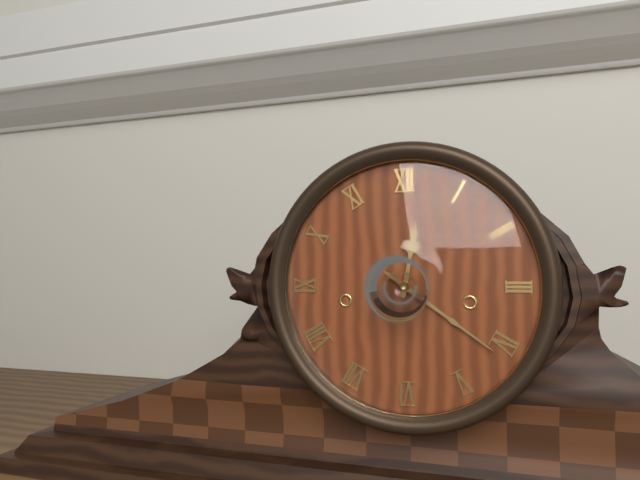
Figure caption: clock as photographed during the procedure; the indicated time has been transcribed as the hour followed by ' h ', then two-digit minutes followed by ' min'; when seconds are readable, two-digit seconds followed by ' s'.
12 h 21 min
